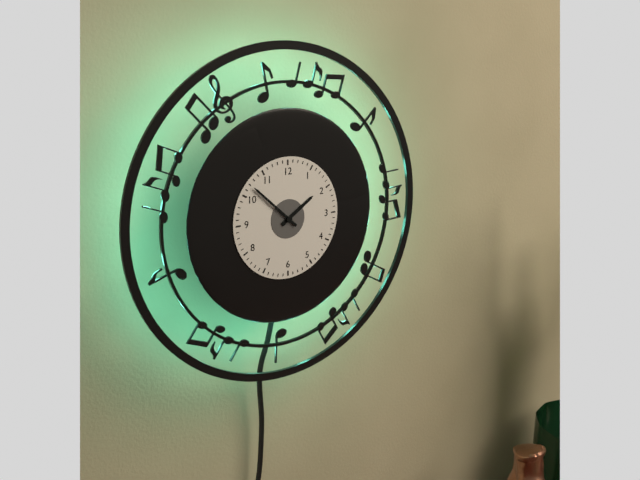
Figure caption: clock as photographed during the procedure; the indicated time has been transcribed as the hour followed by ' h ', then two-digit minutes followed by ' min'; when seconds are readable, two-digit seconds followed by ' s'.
1 h 52 min
